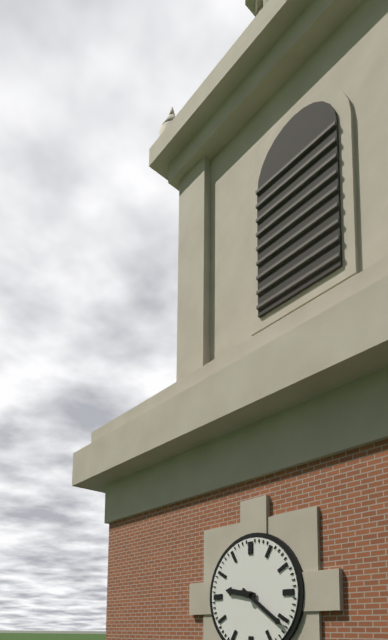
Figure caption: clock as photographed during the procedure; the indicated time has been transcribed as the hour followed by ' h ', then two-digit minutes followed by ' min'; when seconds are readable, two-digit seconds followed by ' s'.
9 h 21 min
